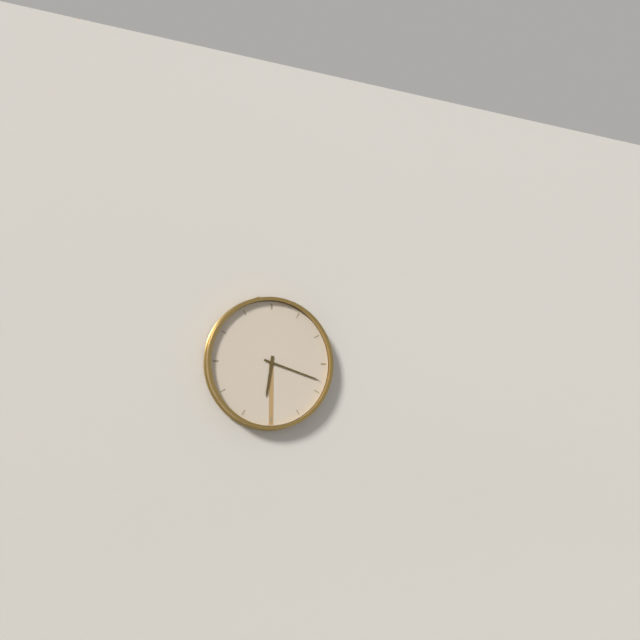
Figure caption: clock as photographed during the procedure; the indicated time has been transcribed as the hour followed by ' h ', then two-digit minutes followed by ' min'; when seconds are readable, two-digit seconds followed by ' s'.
6 h 18 min
